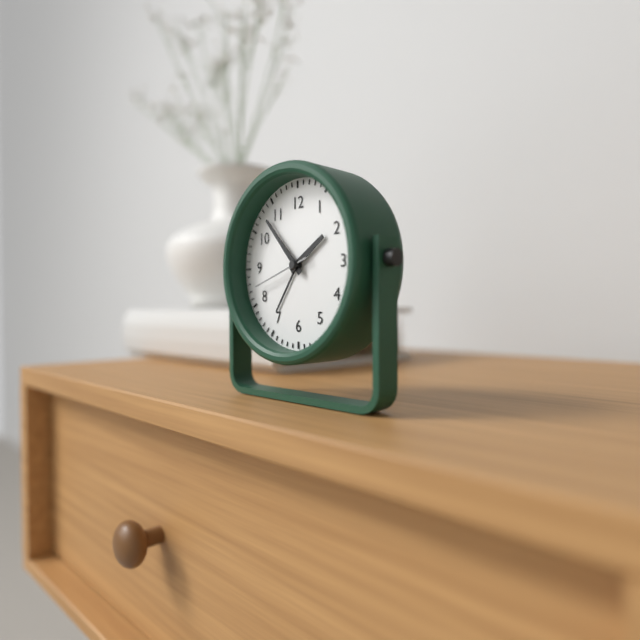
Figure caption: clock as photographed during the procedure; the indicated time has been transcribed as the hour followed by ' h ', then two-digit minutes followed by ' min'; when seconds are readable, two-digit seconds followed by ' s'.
1 h 53 min 42 s
